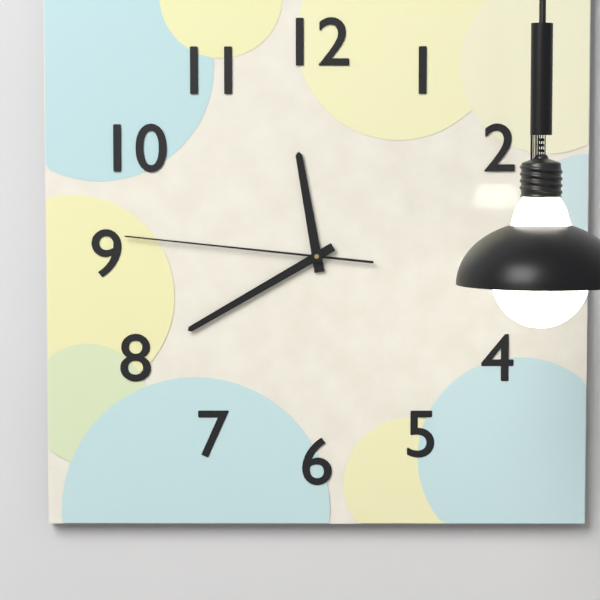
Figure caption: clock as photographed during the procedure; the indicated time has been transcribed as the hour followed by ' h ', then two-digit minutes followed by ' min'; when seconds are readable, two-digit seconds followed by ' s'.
11 h 40 min 46 s
